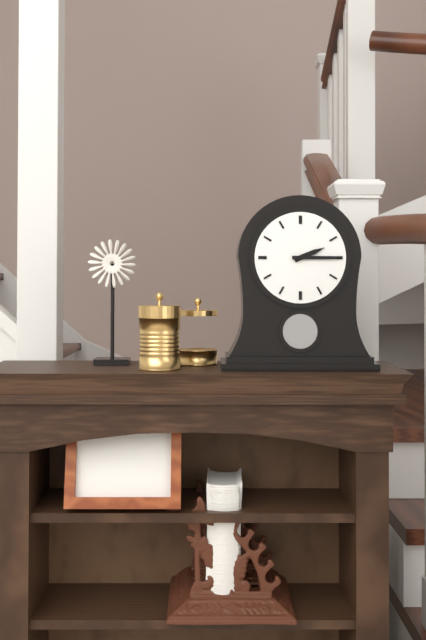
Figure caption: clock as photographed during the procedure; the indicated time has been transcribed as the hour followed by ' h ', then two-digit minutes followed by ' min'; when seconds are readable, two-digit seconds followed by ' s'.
2 h 15 min
